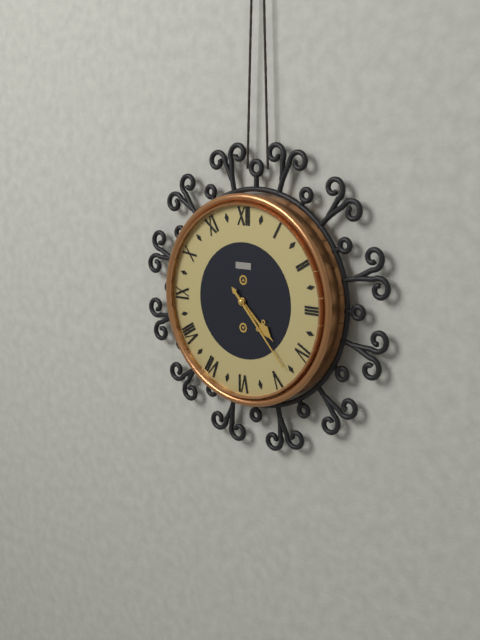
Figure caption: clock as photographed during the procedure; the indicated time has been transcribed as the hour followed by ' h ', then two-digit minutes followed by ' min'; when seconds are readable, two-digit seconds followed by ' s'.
4 h 23 min
